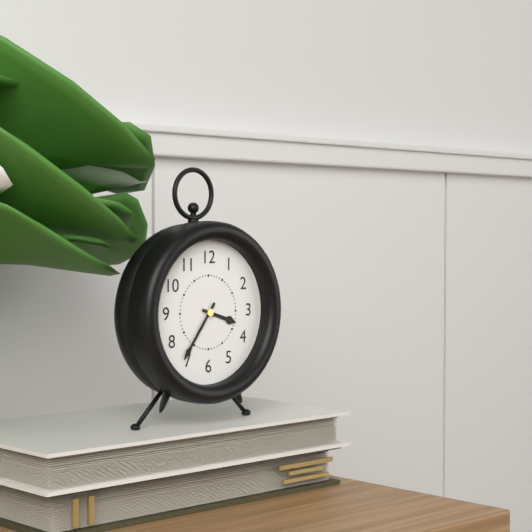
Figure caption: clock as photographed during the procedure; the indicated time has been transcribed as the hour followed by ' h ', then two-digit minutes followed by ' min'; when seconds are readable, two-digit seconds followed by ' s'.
3 h 36 min
